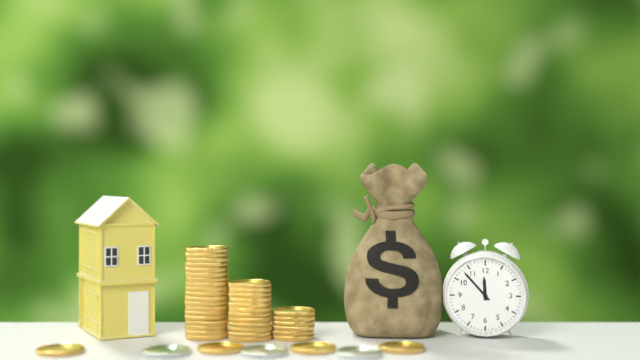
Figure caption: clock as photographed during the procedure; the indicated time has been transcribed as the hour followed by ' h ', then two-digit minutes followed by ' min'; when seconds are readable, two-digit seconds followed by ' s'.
11 h 53 min
